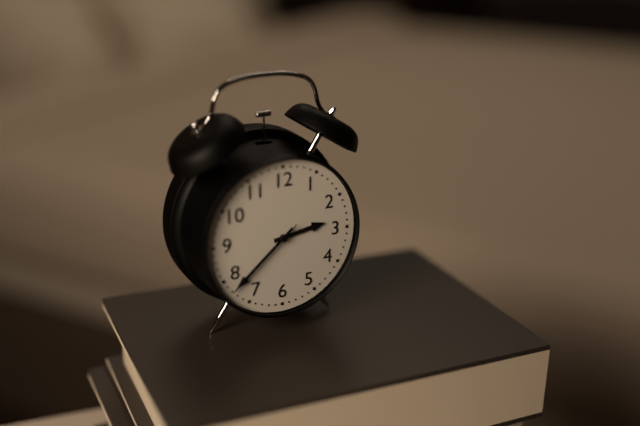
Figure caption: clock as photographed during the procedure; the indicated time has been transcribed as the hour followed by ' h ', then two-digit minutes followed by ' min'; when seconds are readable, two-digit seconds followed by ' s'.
2 h 38 min 38 s
